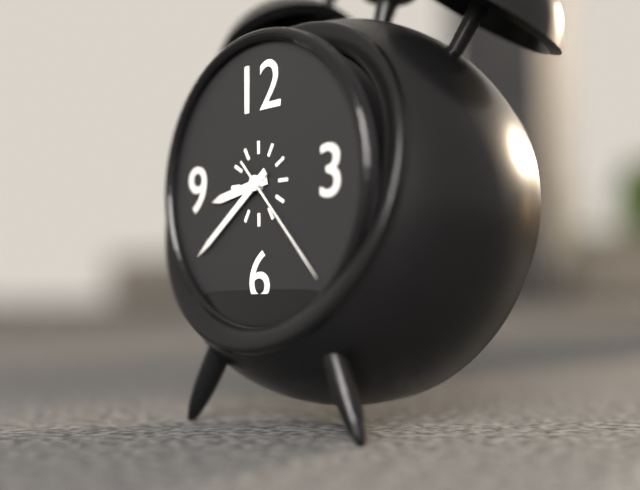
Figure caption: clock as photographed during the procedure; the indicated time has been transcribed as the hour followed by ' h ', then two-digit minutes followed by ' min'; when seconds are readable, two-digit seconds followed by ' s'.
8 h 39 min 23 s
